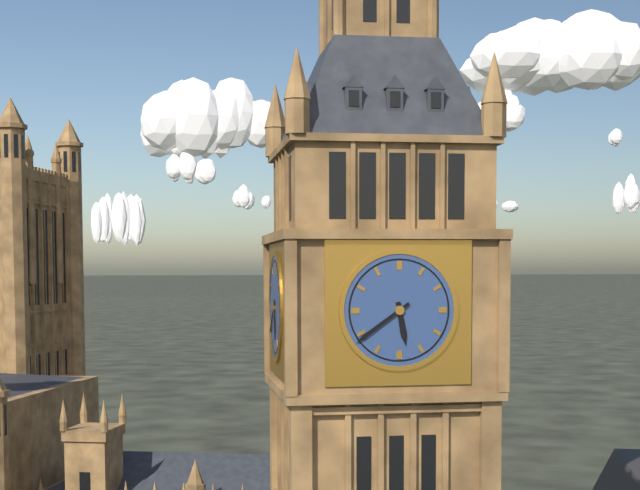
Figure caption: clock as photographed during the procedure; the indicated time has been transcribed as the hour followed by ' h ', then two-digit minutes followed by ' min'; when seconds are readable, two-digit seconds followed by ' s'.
5 h 39 min
